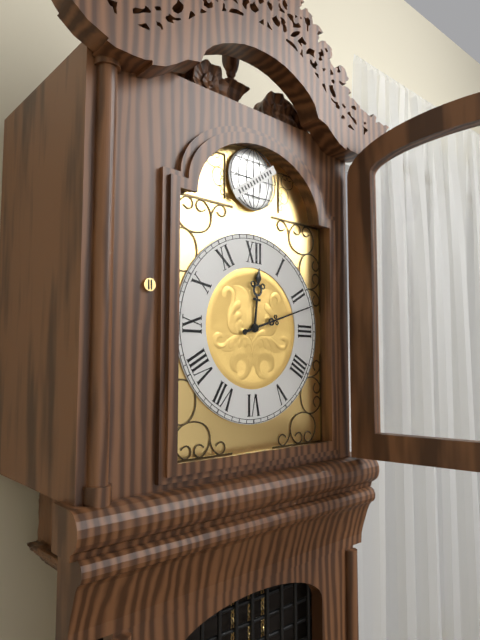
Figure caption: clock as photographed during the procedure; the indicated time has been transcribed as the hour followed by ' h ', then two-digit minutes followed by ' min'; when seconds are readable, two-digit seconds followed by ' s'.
12 h 12 min
